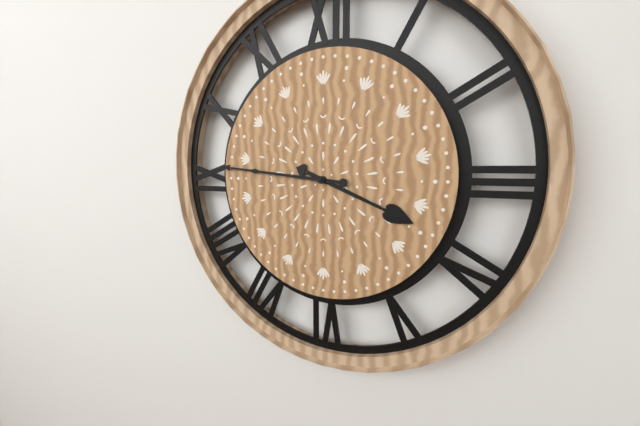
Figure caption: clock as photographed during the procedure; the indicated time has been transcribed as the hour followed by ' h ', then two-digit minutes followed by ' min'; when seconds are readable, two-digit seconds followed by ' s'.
3 h 46 min
